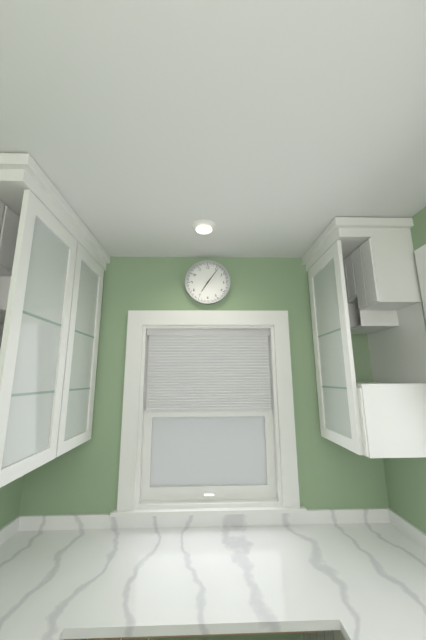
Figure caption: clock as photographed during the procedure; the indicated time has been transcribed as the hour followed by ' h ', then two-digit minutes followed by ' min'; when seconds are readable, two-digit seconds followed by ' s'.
7 h 06 min
